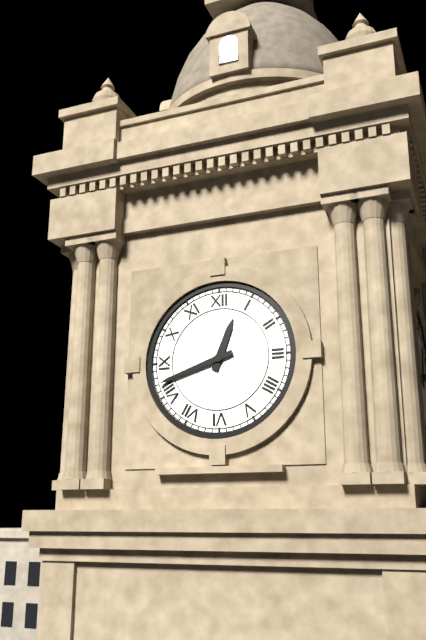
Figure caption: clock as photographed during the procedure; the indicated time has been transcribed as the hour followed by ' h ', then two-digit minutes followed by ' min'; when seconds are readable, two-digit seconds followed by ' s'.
12 h 42 min
